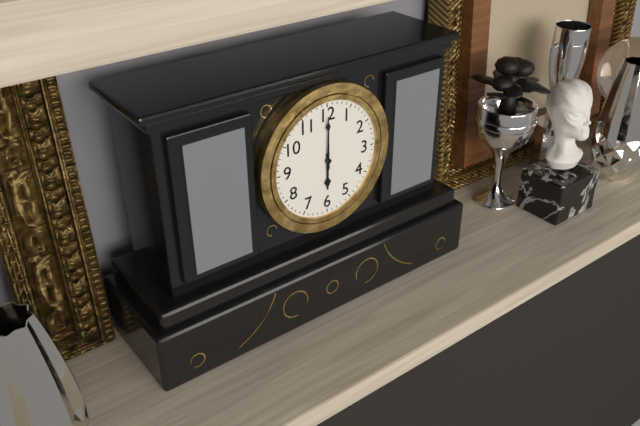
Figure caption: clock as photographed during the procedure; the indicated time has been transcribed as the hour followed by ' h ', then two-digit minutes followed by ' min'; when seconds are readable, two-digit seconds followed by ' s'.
6 h 00 min
